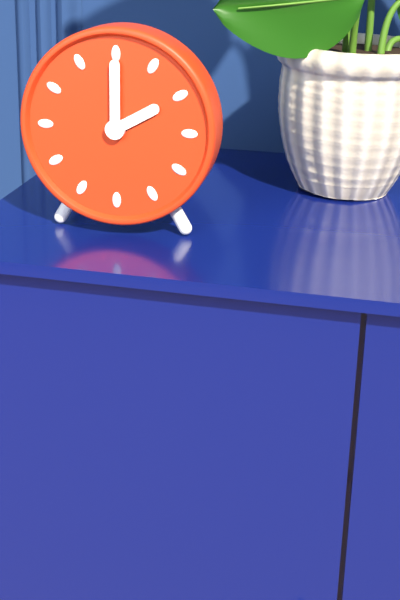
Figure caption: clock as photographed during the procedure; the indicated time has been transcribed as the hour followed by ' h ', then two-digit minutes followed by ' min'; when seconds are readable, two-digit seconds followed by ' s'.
2 h 00 min
